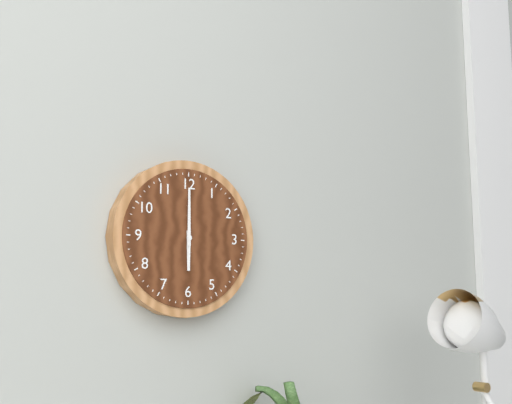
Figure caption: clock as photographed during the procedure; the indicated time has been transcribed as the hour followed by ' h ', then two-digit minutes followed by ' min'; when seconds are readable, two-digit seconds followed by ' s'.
6 h 00 min
